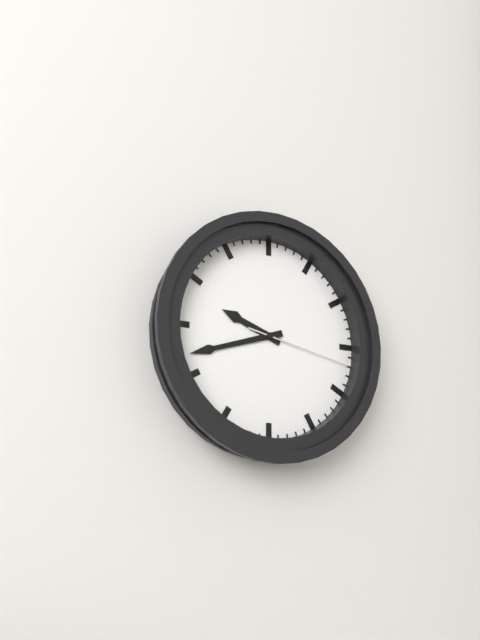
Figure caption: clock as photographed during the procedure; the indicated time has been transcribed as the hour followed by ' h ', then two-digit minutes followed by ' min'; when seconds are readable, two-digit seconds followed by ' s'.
9 h 42 min 17 s
